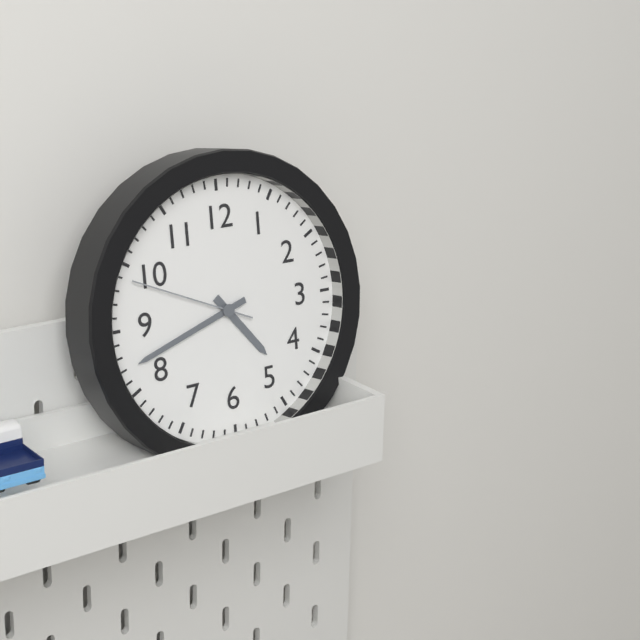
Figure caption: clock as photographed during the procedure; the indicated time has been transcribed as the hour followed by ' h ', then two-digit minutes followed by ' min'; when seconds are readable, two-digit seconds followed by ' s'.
4 h 42 min 49 s
